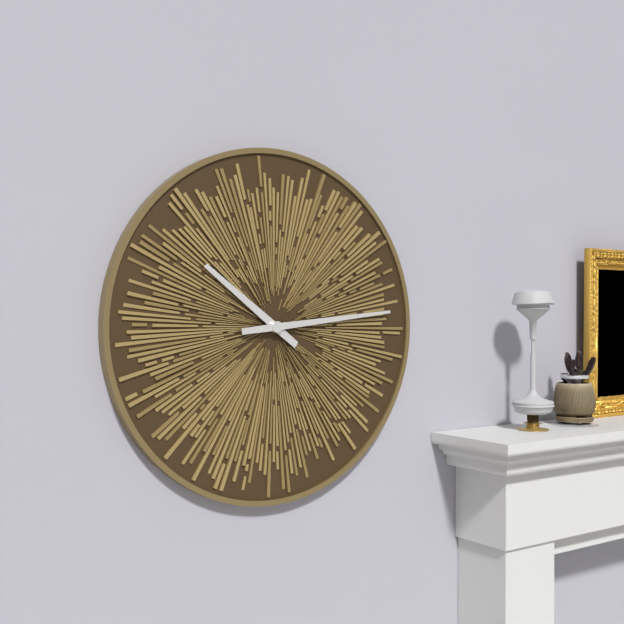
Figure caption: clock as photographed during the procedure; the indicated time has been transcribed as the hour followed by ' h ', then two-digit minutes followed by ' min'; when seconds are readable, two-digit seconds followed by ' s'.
10 h 14 min
